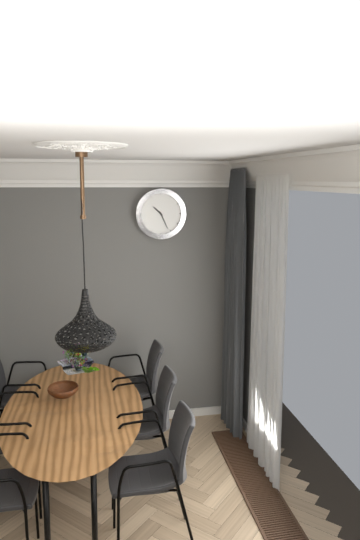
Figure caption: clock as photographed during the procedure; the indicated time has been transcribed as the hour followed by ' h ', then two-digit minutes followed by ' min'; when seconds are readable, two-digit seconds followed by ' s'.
10 h 26 min
